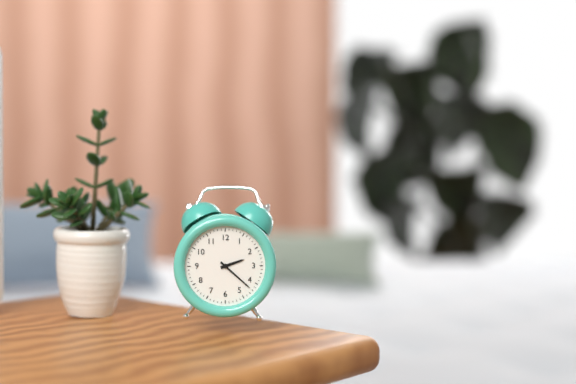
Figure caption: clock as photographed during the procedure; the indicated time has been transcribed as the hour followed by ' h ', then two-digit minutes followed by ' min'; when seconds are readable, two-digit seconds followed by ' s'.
2 h 22 min
